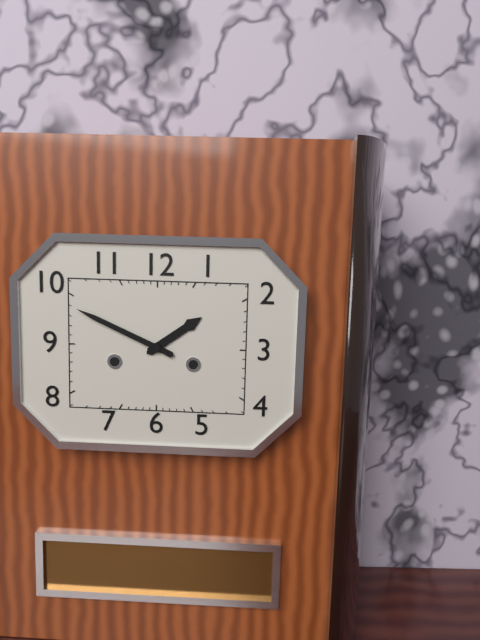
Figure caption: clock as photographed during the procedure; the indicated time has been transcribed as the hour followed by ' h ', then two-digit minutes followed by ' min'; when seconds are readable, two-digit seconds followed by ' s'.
1 h 49 min
